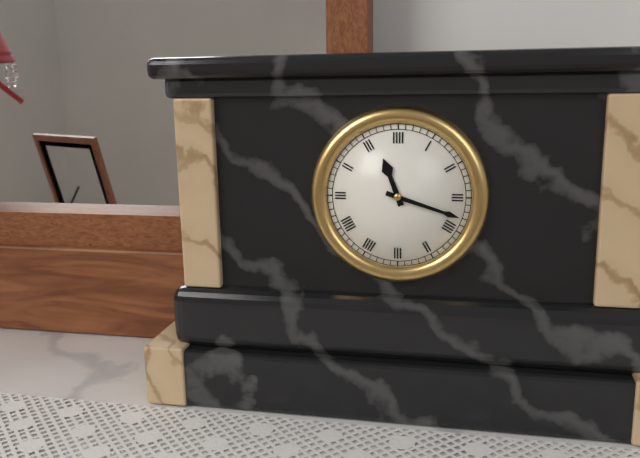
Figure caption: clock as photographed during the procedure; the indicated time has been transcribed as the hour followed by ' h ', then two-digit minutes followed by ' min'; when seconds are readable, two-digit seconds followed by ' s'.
11 h 18 min
